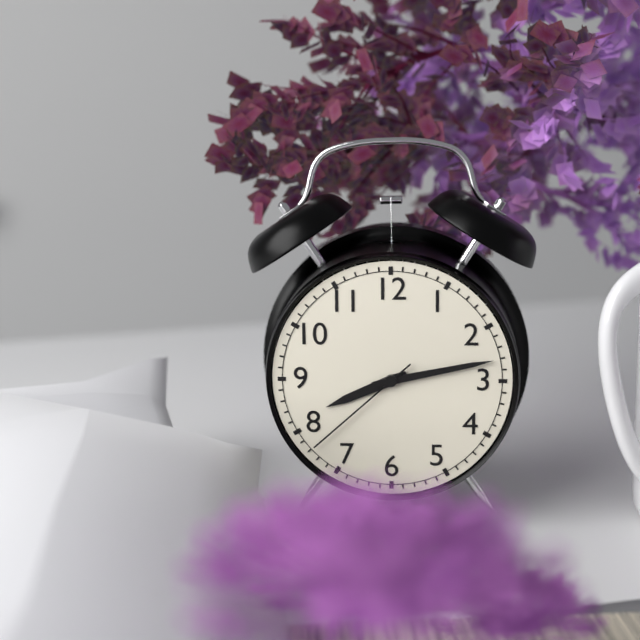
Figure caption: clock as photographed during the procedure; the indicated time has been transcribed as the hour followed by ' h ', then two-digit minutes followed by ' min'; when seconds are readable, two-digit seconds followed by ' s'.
8 h 13 min 38 s
